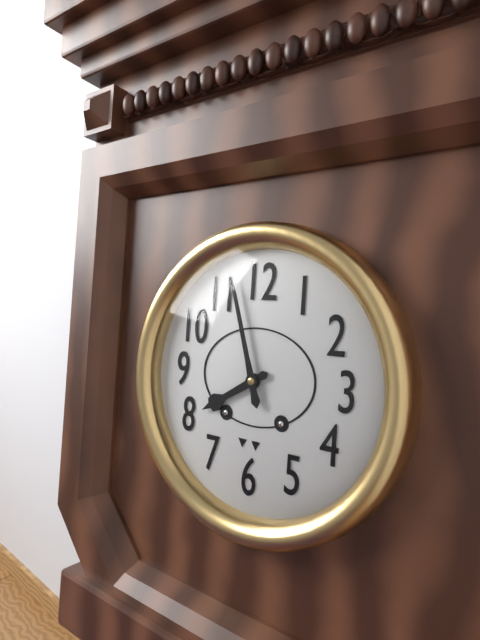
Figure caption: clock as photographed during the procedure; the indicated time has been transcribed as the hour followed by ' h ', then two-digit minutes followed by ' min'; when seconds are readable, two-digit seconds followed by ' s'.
7 h 57 min
